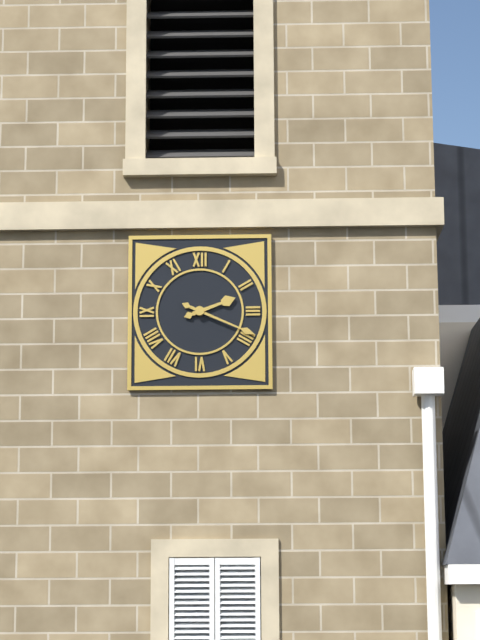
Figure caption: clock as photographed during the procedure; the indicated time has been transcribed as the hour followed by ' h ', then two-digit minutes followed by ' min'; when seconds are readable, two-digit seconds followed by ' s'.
2 h 19 min
